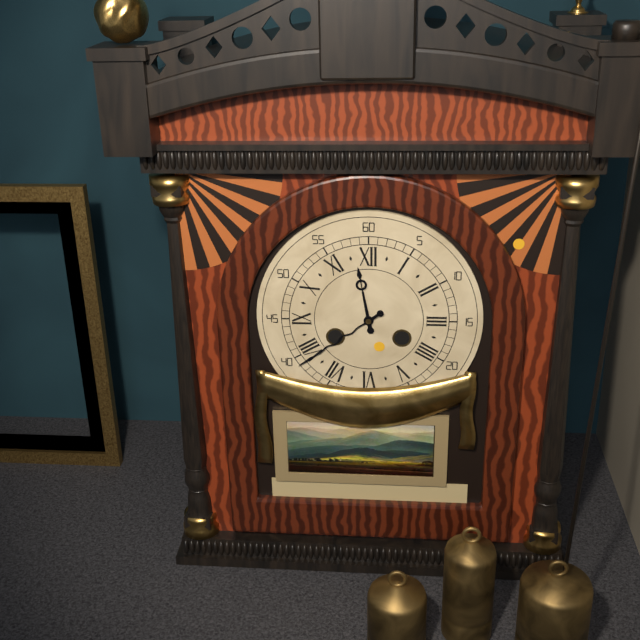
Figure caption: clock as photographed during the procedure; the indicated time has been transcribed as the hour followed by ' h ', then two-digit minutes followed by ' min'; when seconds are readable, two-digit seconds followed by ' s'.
11 h 39 min
